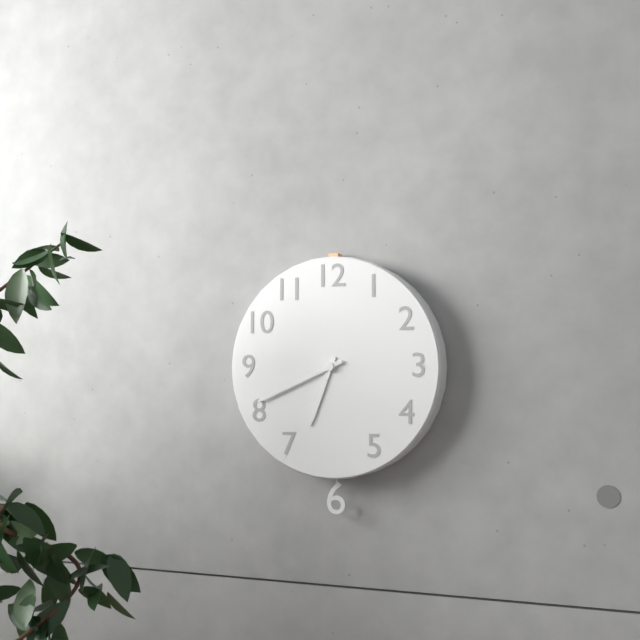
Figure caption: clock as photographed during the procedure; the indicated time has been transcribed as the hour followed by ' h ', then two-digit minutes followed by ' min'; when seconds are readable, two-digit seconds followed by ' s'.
6 h 41 min
